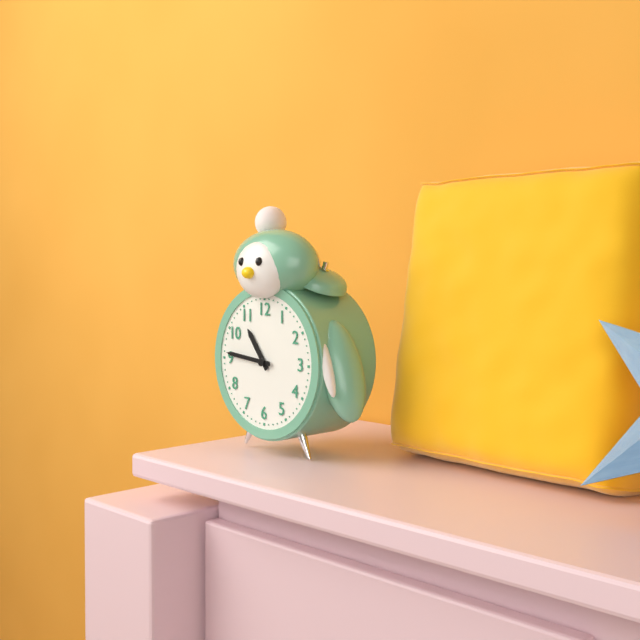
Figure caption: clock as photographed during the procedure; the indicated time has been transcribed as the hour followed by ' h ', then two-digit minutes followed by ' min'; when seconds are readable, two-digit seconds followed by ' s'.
10 h 46 min
